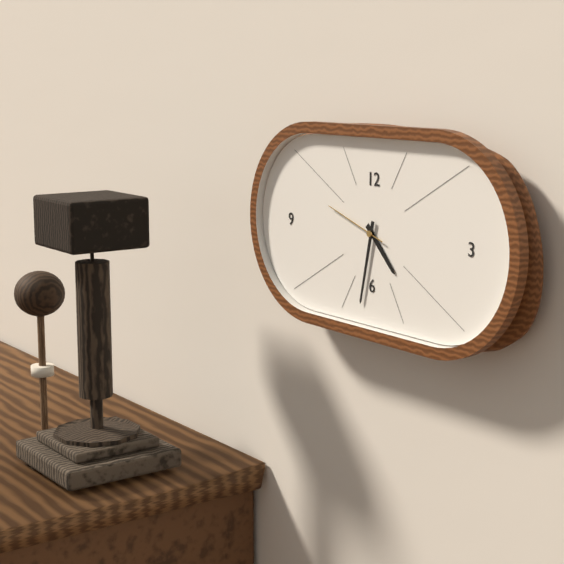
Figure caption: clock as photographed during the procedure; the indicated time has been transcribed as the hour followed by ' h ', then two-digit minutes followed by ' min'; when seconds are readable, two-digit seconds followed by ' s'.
4 h 32 min 48 s
